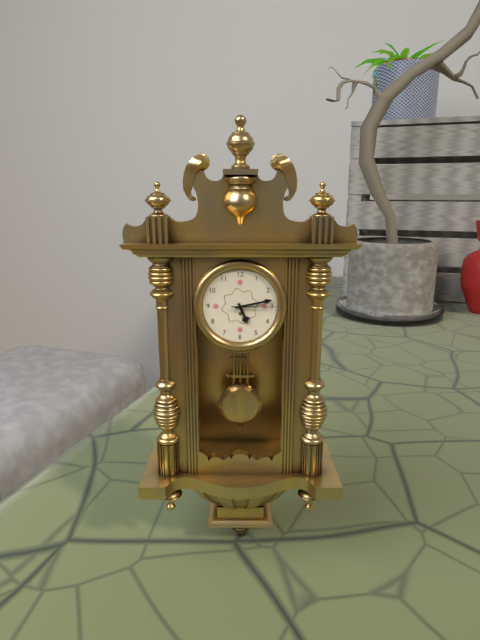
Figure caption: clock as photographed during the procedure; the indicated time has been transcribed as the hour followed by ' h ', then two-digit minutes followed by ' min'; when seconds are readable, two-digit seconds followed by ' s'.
5 h 13 min
